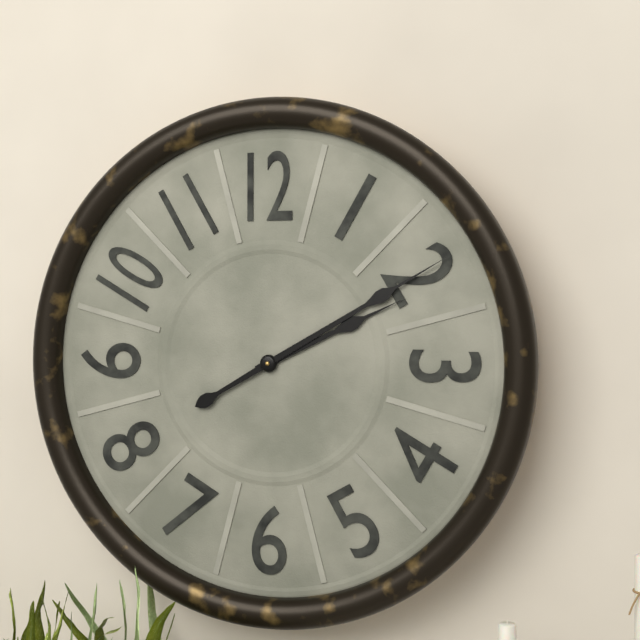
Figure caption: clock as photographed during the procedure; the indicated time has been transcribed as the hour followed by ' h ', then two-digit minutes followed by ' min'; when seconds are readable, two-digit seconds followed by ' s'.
2 h 10 min
